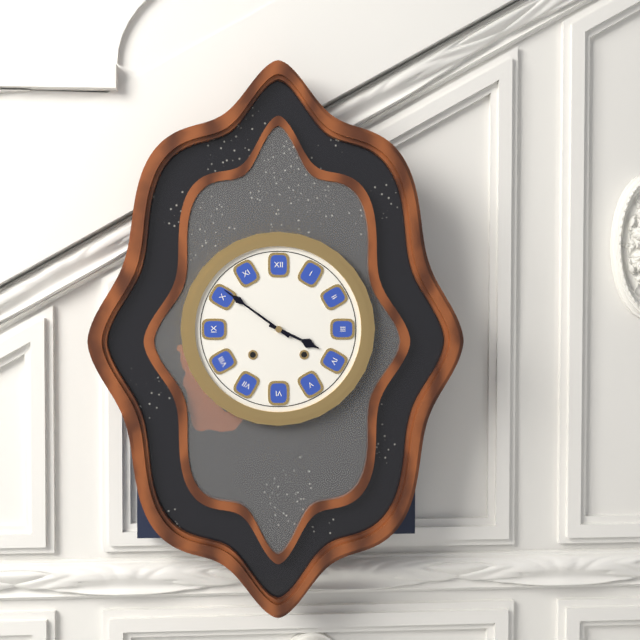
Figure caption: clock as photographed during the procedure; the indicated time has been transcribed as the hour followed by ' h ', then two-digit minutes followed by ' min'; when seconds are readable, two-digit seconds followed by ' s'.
3 h 51 min
